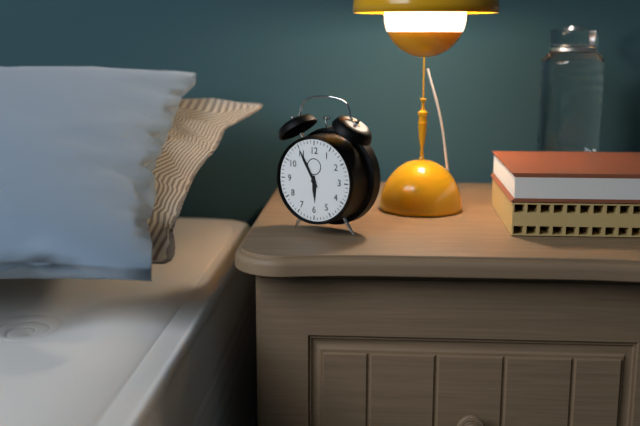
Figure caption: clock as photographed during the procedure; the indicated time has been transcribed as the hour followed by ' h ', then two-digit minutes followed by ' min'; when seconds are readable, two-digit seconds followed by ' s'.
5 h 55 min
